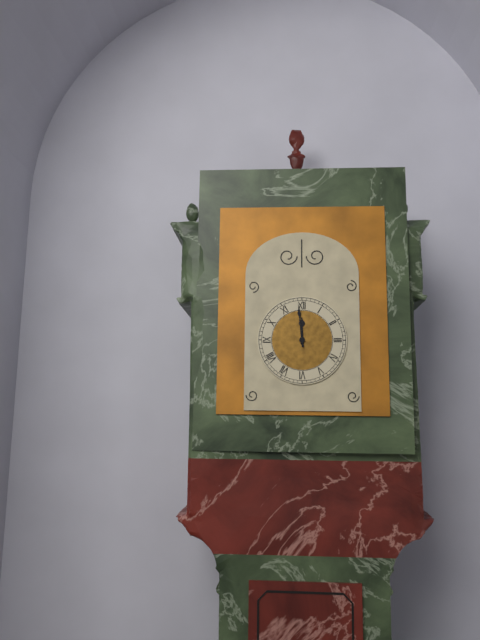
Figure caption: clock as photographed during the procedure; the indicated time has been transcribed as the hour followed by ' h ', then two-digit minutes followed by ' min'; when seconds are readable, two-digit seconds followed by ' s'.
11 h 59 min
